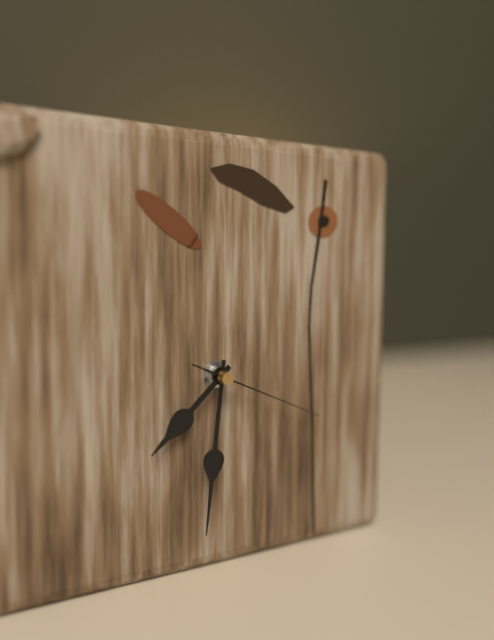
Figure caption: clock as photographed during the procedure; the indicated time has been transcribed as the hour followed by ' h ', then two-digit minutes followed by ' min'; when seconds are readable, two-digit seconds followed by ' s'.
7 h 31 min 19 s
